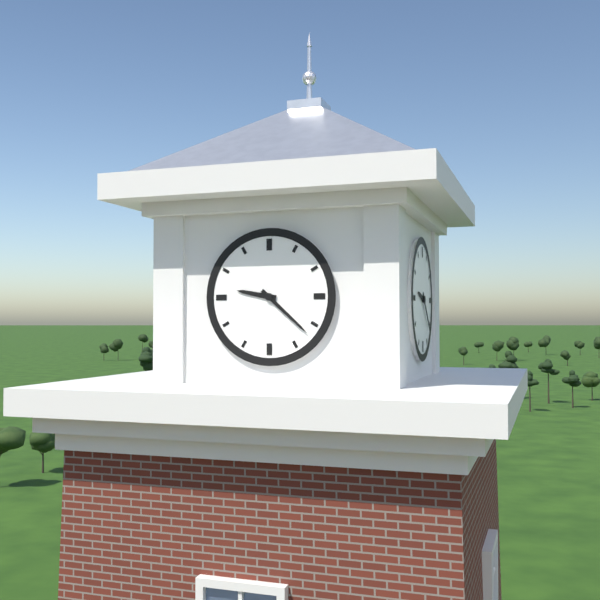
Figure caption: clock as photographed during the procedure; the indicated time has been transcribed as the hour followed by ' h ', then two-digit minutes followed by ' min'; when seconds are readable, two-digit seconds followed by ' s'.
9 h 22 min
